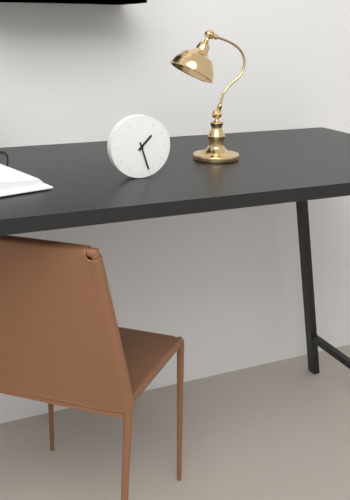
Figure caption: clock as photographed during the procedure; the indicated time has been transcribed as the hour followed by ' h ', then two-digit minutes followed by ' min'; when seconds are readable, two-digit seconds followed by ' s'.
1 h 27 min
